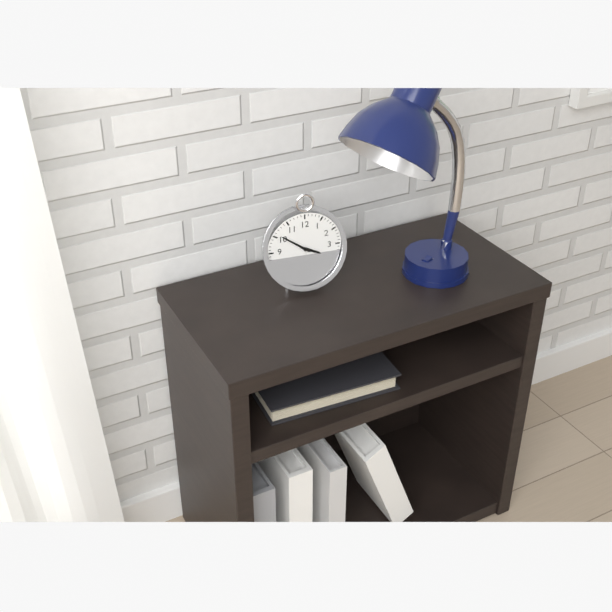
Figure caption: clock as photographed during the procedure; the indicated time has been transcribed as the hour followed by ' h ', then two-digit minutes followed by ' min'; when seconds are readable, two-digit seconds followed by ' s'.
3 h 51 min
